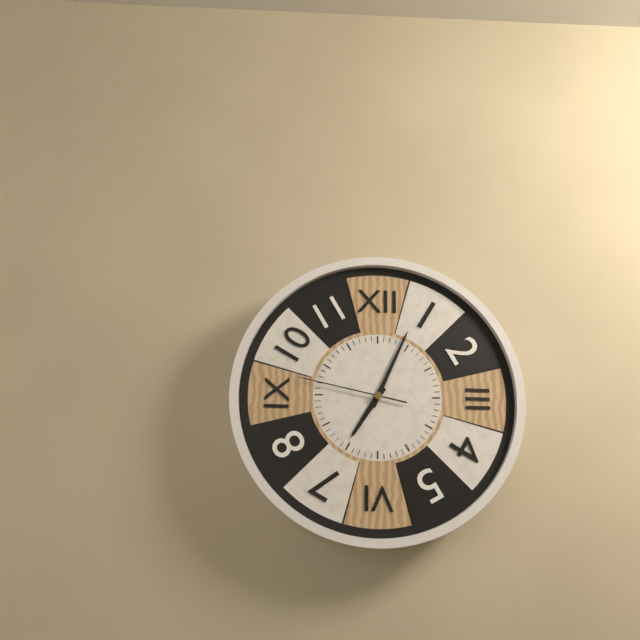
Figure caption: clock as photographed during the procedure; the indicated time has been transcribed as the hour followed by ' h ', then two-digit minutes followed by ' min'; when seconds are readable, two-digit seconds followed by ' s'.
7 h 04 min 47 s
